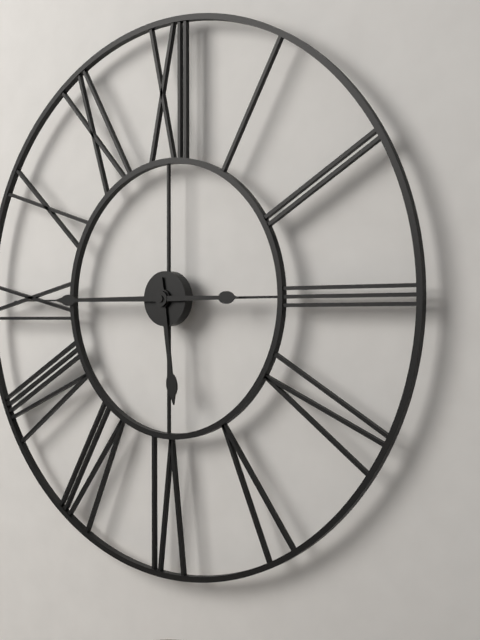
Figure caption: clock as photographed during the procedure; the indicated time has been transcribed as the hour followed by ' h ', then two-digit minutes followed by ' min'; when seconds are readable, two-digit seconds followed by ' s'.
5 h 45 min
